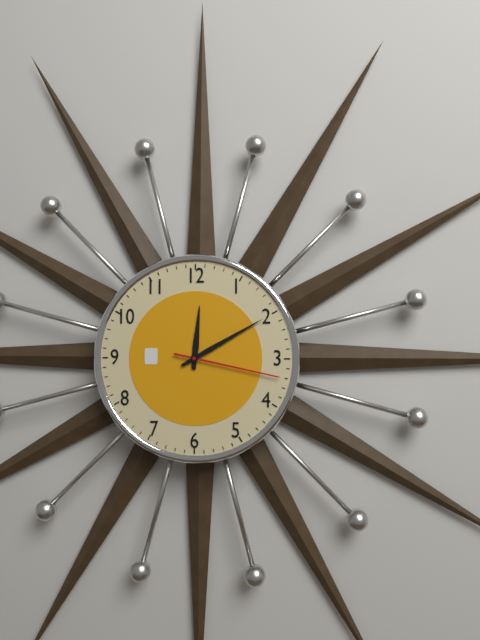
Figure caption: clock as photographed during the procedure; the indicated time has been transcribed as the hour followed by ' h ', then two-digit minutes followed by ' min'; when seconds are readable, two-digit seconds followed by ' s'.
12 h 10 min 17 s
